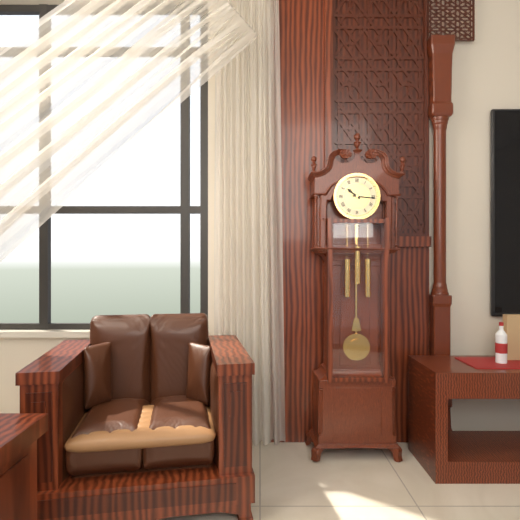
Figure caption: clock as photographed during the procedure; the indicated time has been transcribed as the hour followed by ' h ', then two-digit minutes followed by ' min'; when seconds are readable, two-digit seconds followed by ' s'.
10 h 16 min
